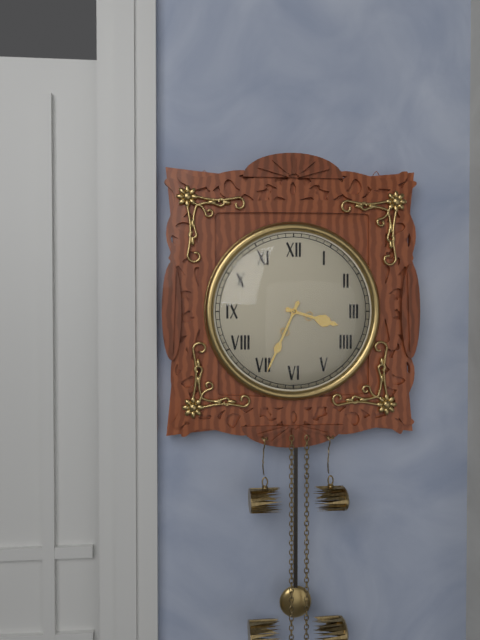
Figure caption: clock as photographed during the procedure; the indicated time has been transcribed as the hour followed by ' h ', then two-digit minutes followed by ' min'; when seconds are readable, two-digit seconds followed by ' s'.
3 h 34 min
